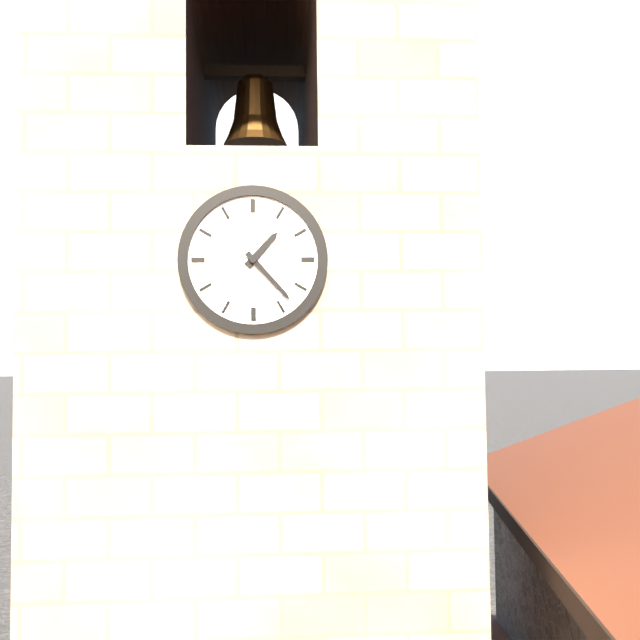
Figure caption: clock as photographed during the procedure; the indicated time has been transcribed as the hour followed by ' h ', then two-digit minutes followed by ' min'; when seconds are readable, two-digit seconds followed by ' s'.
1 h 23 min
